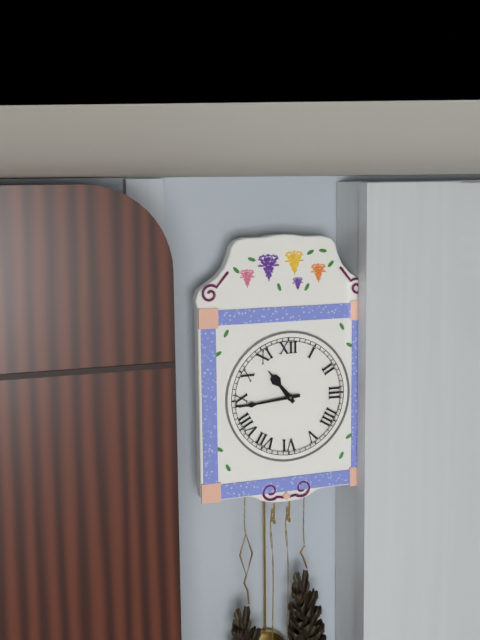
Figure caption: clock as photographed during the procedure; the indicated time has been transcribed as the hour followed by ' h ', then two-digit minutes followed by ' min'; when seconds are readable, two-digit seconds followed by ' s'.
10 h 44 min
